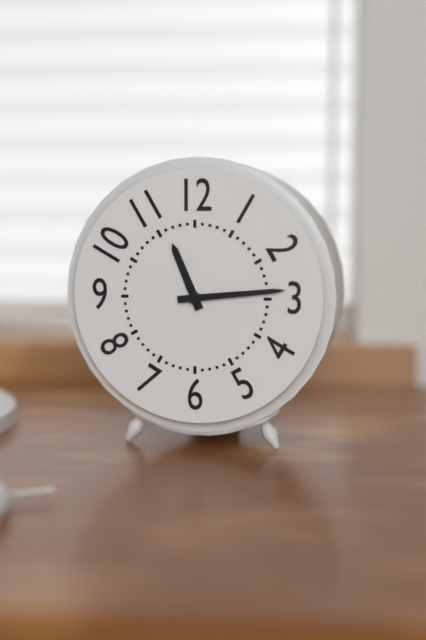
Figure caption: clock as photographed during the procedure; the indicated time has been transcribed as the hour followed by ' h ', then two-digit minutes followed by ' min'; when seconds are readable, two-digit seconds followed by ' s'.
11 h 14 min
